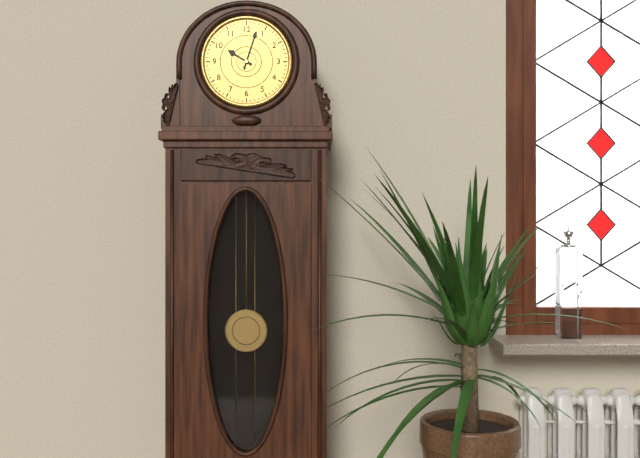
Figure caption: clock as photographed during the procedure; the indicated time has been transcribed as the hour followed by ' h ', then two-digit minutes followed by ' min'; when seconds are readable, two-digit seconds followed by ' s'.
10 h 03 min
